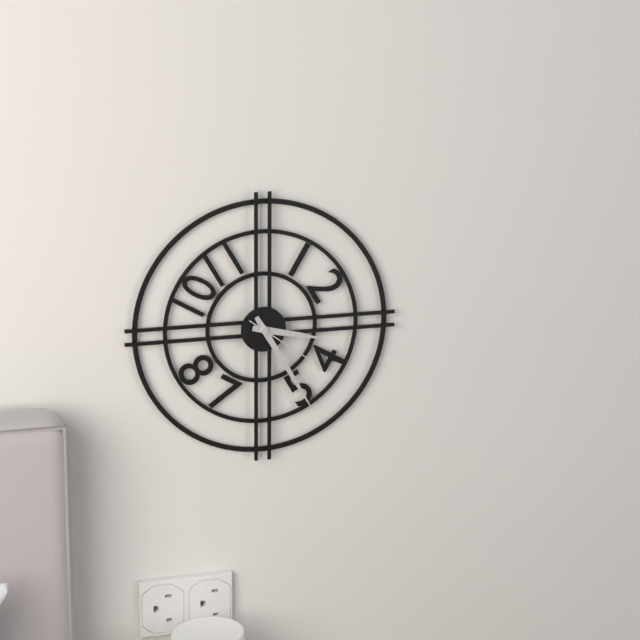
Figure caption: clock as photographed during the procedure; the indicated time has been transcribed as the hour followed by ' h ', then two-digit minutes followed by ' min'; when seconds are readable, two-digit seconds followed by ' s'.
3 h 25 min 21 s
